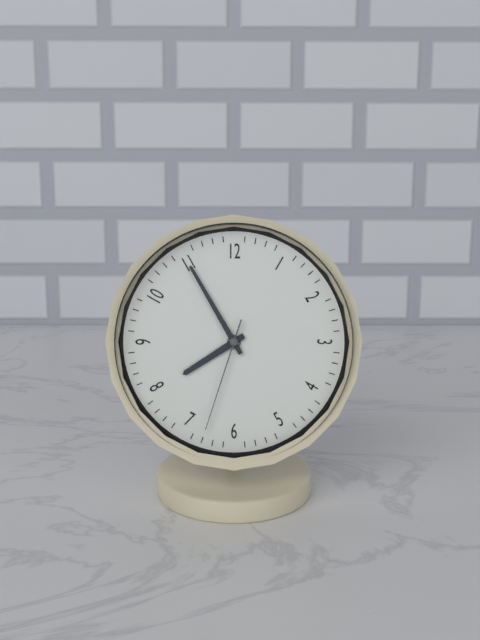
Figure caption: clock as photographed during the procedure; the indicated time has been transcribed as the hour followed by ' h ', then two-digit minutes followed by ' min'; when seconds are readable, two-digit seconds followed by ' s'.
7 h 55 min 33 s
